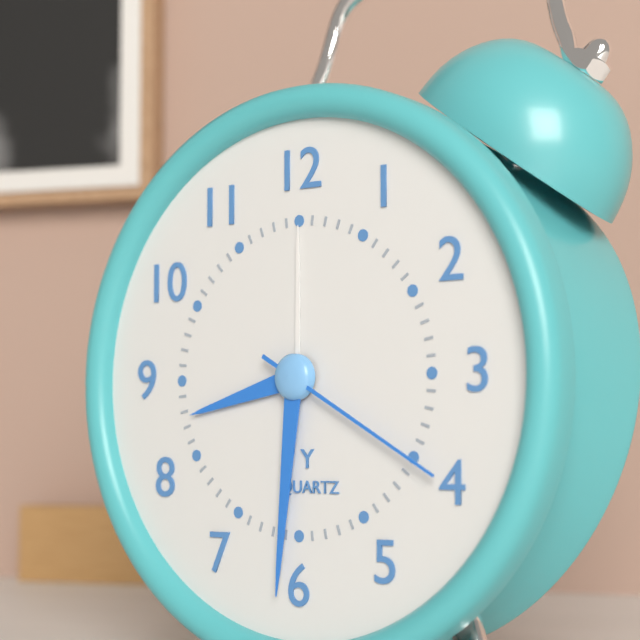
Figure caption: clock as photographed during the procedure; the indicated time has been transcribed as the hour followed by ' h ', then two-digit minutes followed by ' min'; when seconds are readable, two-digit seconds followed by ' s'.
8 h 31 min 20 s
